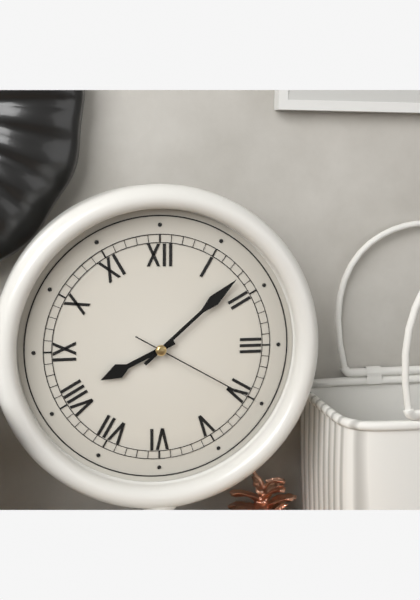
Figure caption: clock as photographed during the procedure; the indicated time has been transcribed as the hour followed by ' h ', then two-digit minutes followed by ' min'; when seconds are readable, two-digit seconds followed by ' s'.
8 h 08 min 20 s
